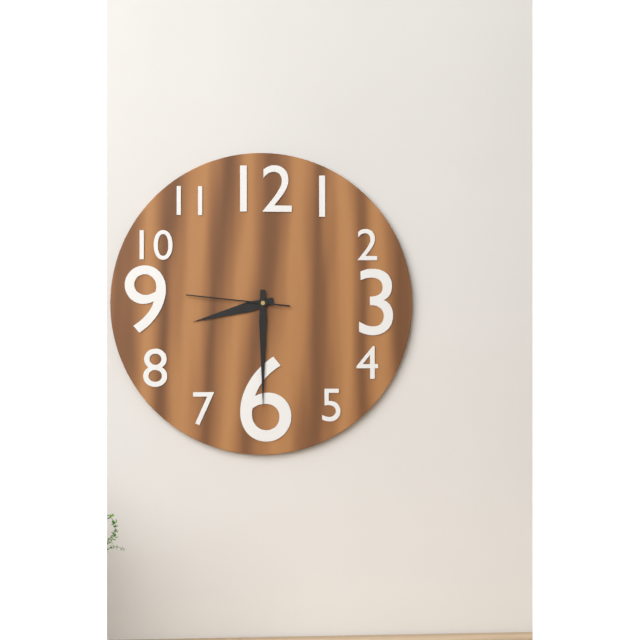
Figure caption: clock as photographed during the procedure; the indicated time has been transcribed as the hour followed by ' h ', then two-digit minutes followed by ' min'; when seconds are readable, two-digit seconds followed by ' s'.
8 h 30 min 46 s
